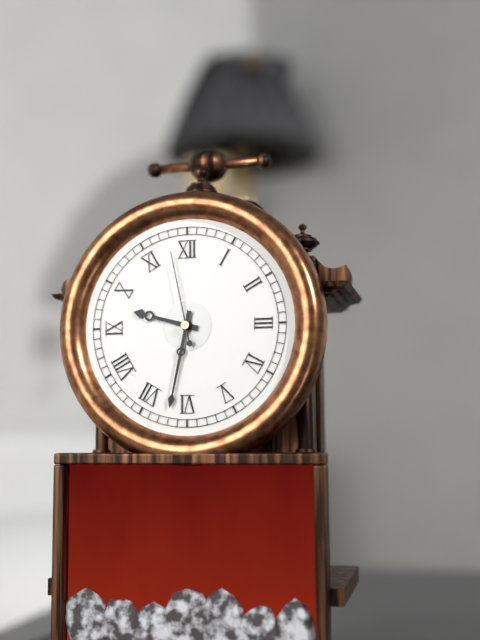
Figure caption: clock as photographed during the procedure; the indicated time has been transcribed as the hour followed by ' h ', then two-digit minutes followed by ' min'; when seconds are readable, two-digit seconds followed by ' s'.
9 h 32 min 58 s
